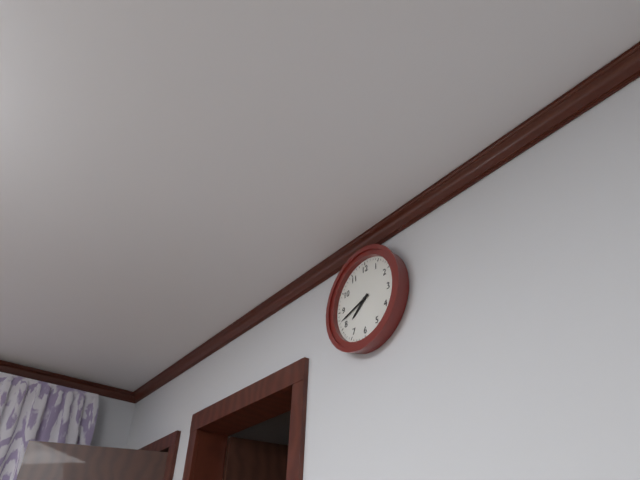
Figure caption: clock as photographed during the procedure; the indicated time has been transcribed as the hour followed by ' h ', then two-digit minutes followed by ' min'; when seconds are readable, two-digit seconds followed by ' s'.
7 h 42 min
